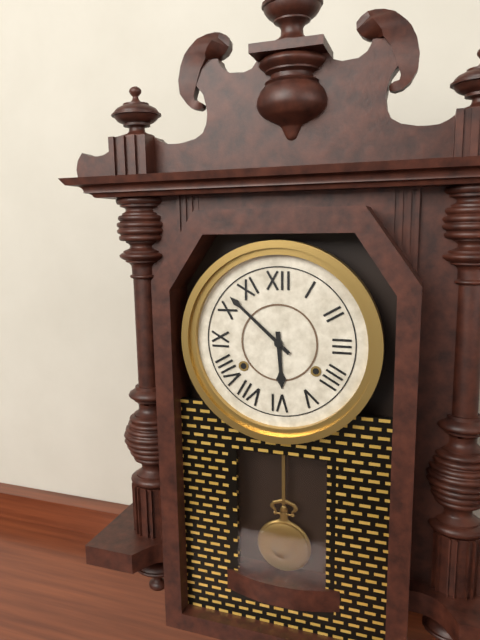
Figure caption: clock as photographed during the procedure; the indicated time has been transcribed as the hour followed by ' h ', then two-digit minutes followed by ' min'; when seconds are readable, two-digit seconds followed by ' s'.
5 h 52 min
